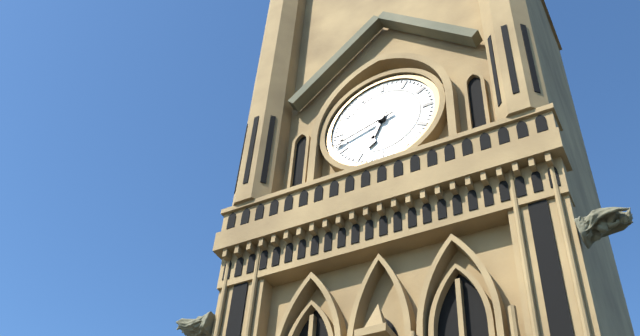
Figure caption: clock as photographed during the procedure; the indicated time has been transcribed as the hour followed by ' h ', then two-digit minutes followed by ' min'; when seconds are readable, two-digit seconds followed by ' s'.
6 h 42 min
